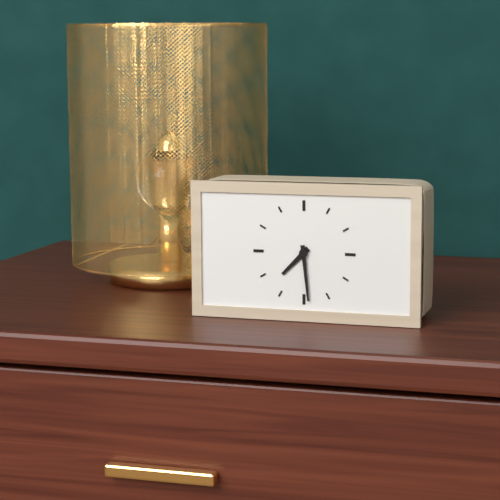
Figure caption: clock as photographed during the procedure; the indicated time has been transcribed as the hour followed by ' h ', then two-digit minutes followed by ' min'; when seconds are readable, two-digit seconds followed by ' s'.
7 h 29 min
